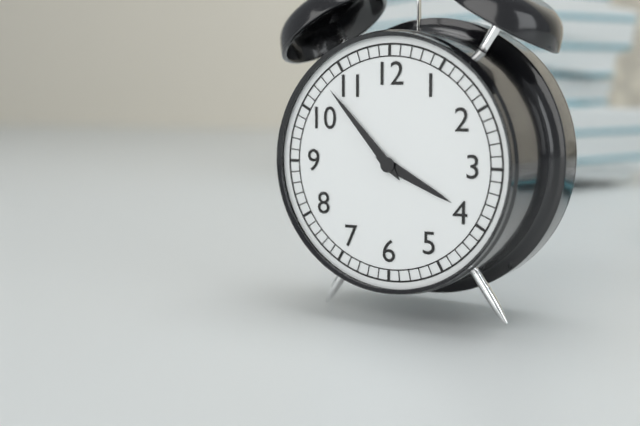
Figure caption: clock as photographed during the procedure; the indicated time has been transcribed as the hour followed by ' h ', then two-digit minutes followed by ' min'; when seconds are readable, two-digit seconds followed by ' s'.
3 h 53 min
